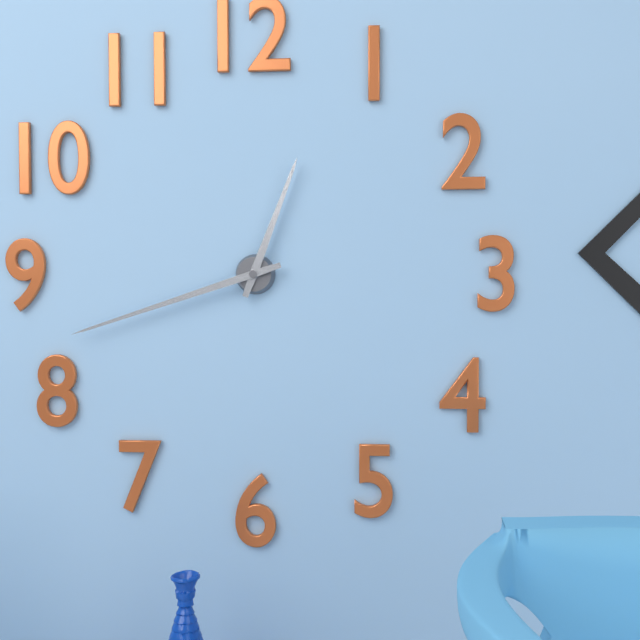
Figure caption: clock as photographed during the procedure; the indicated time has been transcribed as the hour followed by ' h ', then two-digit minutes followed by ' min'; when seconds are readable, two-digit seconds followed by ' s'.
12 h 42 min
